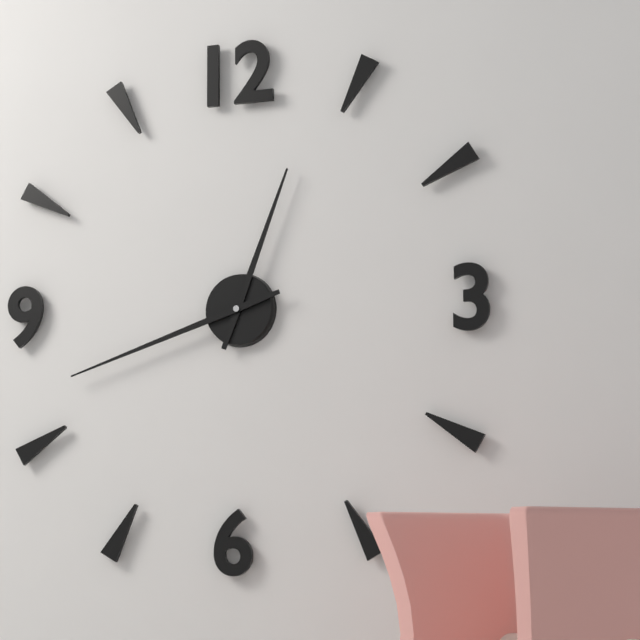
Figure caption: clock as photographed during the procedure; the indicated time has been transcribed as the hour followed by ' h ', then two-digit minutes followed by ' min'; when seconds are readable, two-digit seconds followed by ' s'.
12 h 42 min
